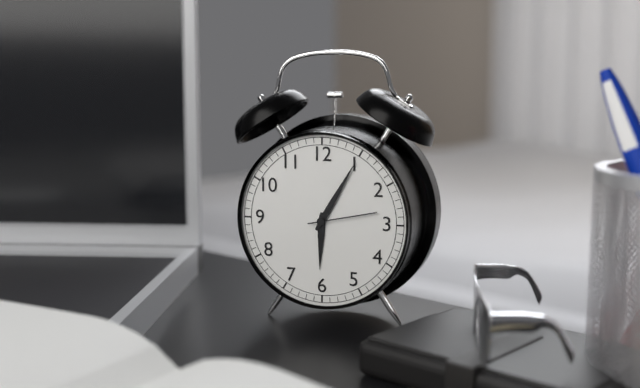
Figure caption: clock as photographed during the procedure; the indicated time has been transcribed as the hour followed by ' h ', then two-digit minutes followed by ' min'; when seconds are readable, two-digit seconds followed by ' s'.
6 h 05 min 13 s
